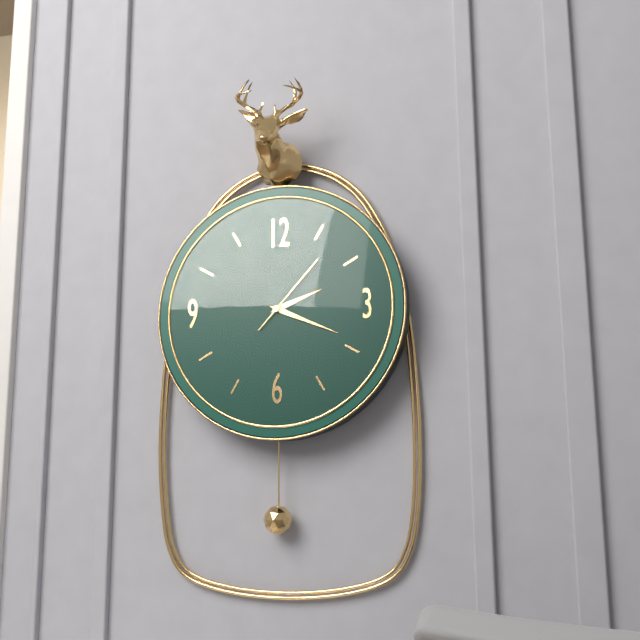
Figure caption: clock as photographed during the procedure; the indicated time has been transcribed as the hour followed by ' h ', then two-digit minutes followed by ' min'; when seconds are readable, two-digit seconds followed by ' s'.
2 h 19 min 07 s
